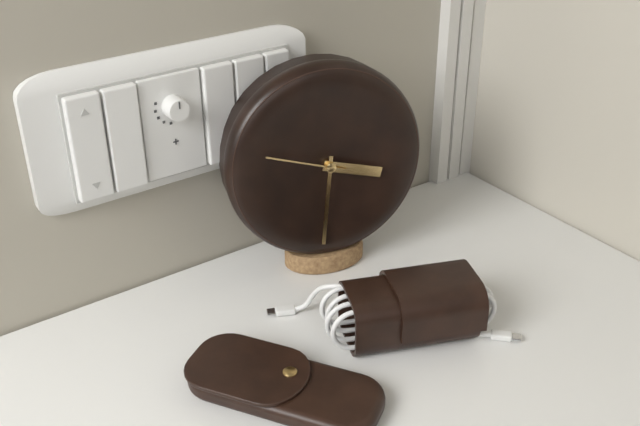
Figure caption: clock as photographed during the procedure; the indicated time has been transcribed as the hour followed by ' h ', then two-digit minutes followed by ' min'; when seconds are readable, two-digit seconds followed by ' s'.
3 h 31 min 48 s
